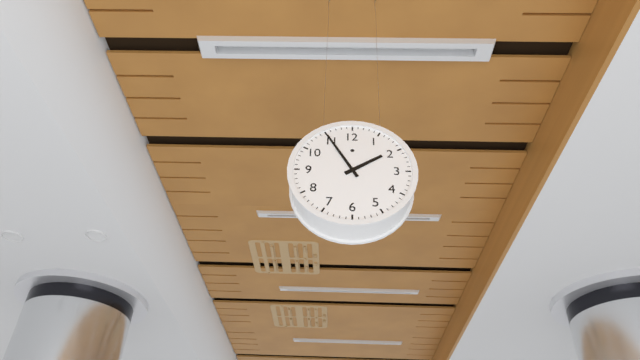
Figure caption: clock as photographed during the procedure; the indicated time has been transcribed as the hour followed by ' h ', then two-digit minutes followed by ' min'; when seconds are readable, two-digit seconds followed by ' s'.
1 h 55 min
